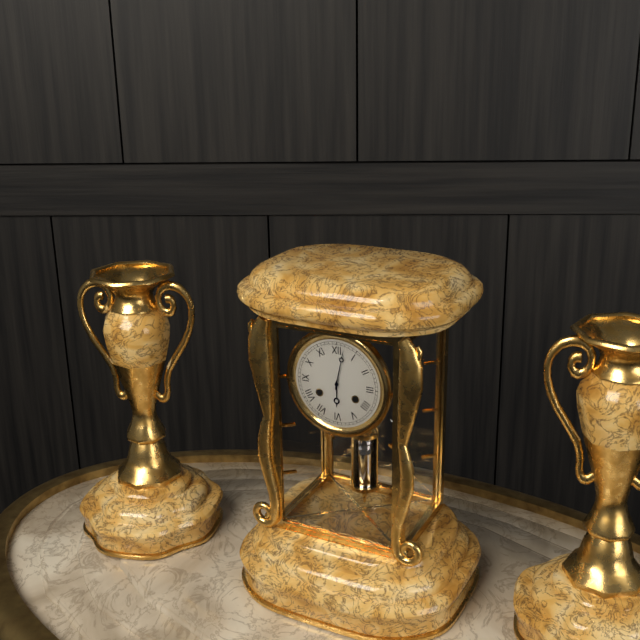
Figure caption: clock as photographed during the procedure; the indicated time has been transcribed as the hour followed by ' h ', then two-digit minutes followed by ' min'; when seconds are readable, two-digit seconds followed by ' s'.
6 h 02 min
